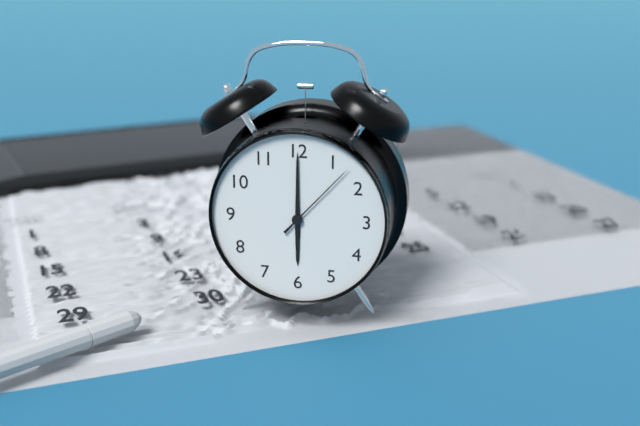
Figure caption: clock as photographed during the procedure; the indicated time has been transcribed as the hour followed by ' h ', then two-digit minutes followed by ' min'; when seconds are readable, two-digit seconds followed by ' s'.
6 h 00 min 07 s
